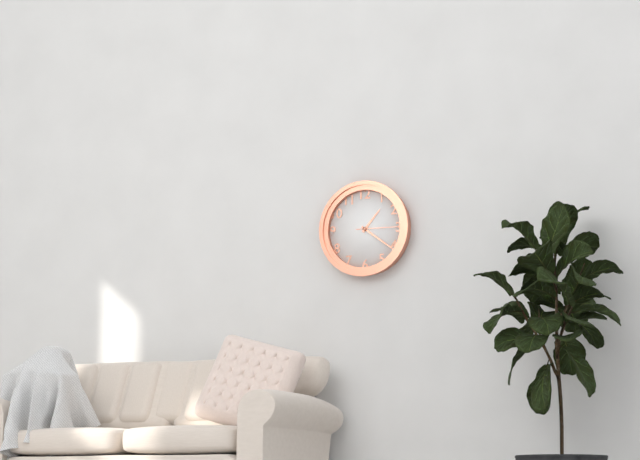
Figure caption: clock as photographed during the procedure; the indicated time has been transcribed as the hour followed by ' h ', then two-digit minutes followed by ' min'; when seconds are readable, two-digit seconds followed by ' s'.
1 h 21 min
